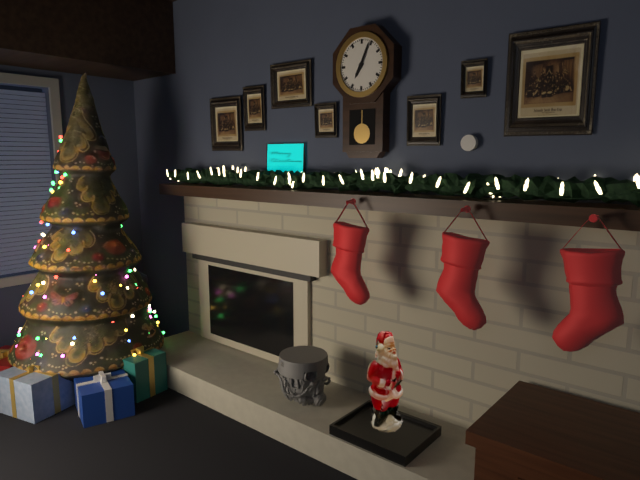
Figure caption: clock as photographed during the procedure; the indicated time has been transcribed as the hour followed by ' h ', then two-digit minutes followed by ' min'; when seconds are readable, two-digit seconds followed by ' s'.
7 h 04 min
